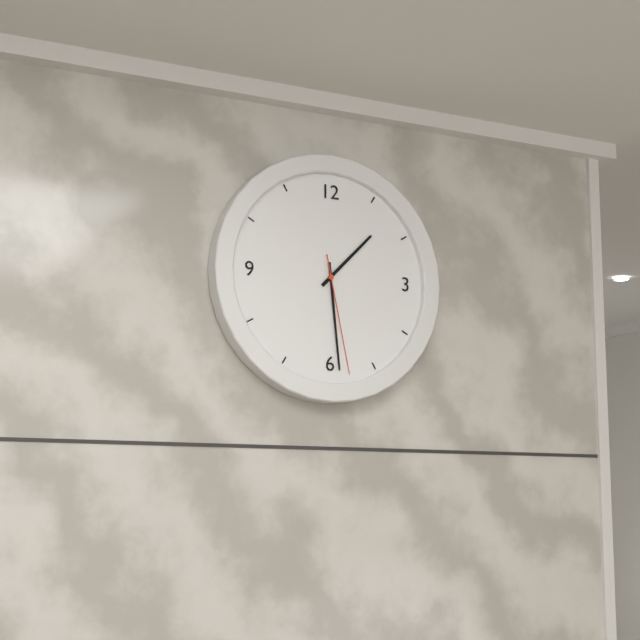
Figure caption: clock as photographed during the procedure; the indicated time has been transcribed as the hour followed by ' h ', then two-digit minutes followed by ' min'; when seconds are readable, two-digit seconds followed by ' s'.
1 h 29 min 28 s
